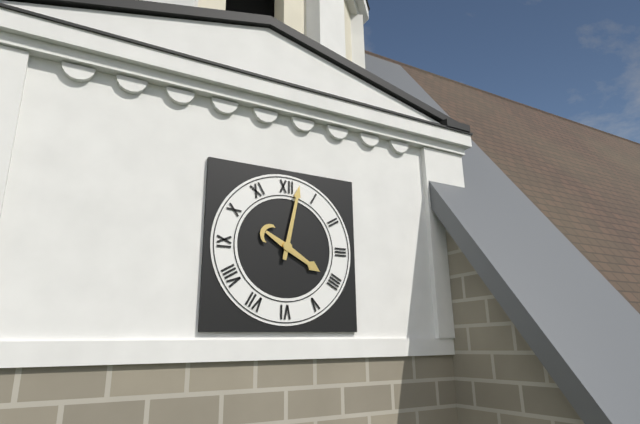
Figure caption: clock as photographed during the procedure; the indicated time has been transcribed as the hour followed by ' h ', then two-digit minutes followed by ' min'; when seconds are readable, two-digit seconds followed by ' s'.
4 h 02 min
